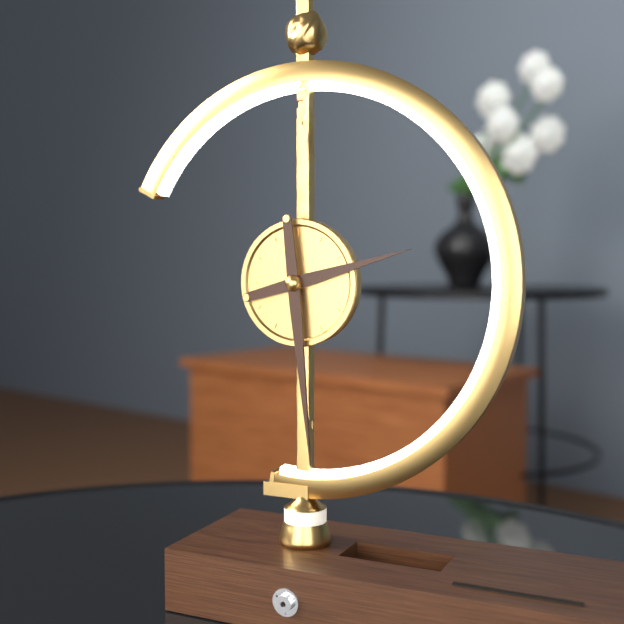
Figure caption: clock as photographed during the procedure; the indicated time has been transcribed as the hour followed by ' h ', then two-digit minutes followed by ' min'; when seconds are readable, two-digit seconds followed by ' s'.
2 h 29 min
